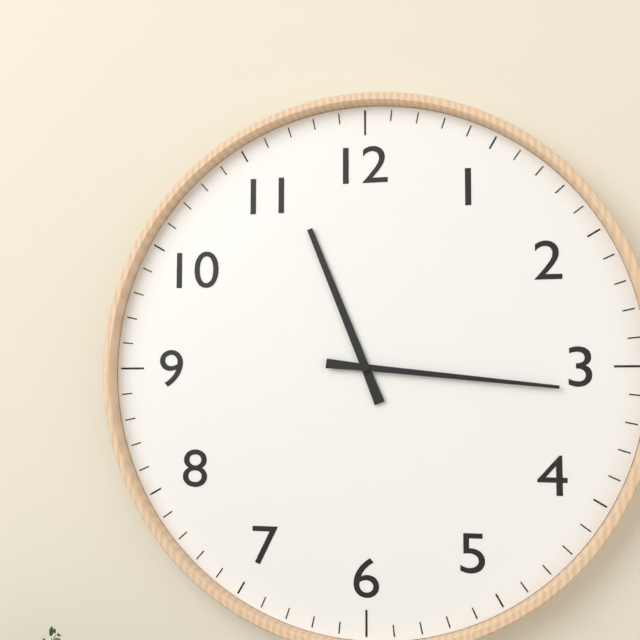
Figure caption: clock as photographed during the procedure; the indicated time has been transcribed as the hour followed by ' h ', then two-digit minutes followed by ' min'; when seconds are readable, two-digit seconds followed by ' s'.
11 h 16 min
